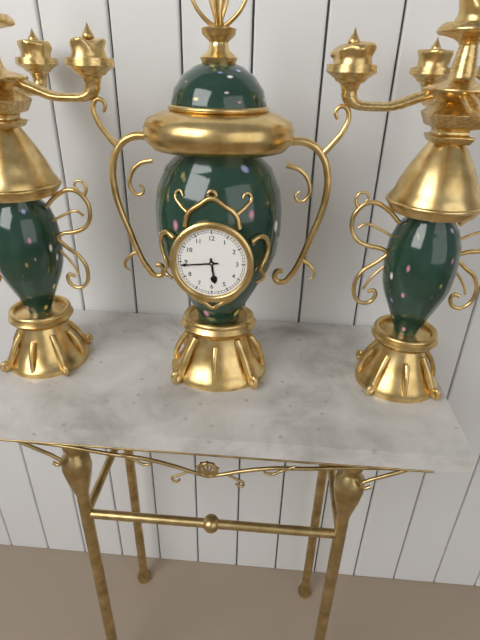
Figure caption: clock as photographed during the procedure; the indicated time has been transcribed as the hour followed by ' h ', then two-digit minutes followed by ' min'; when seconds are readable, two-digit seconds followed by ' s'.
5 h 44 min
